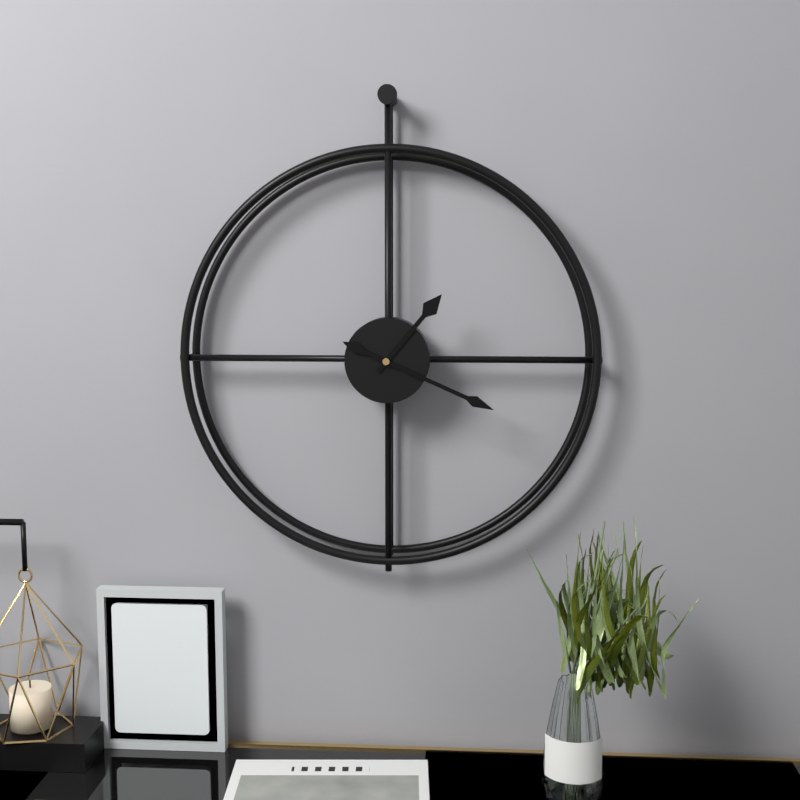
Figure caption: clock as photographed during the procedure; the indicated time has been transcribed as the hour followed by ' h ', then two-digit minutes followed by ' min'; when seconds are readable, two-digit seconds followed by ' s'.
1 h 19 min
